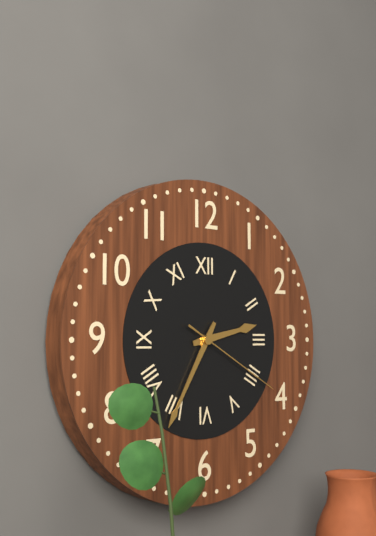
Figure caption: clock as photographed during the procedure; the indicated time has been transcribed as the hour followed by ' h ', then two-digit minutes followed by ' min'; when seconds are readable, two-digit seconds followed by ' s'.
2 h 35 min 20 s
